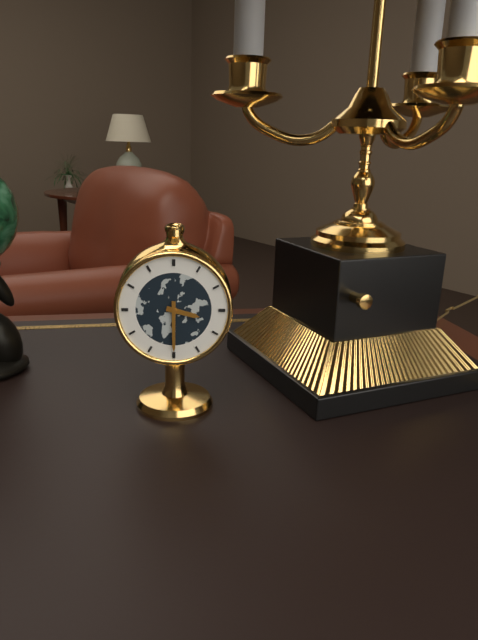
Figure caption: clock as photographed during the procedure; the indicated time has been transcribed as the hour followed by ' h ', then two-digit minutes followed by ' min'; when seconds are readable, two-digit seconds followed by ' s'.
3 h 30 min
